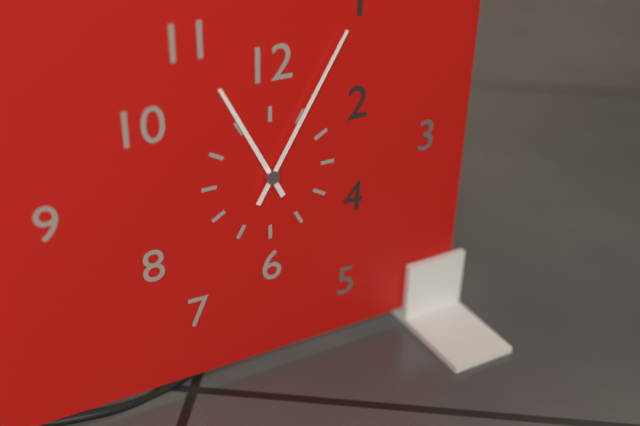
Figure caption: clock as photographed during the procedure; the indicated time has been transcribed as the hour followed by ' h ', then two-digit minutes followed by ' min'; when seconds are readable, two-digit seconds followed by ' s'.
11 h 05 min
